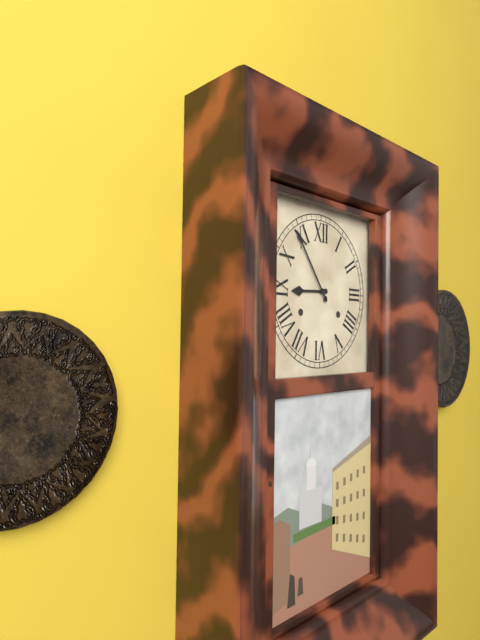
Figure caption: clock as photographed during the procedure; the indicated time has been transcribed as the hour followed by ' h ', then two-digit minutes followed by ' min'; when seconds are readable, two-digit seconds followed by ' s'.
8 h 54 min
